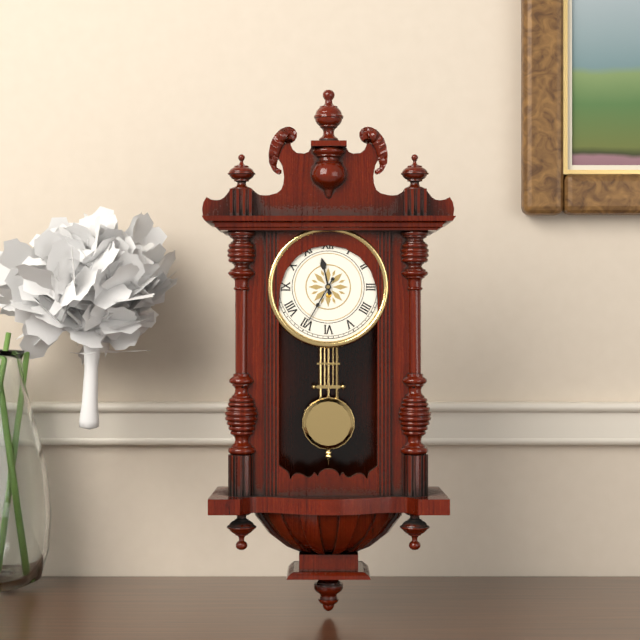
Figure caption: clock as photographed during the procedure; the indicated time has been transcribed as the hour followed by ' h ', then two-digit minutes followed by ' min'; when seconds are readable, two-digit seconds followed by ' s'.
11 h 35 min
